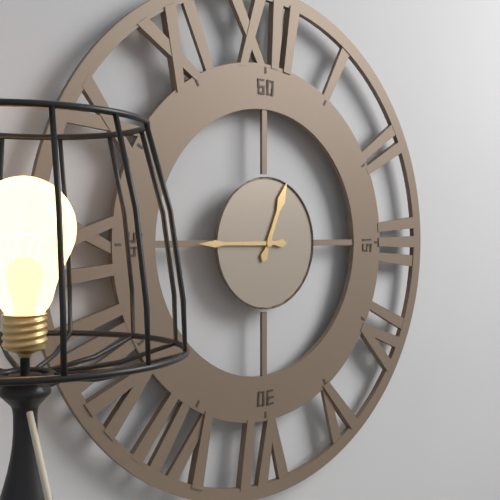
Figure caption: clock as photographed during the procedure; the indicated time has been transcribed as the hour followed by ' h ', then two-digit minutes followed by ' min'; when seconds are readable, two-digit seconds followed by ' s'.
12 h 45 min
